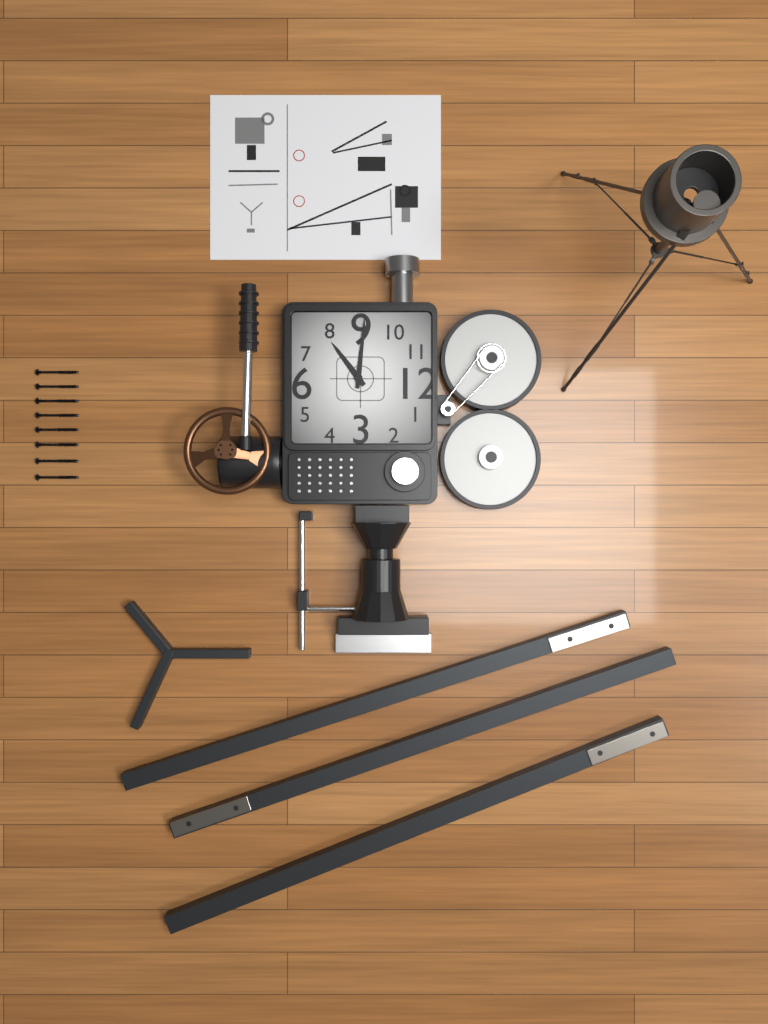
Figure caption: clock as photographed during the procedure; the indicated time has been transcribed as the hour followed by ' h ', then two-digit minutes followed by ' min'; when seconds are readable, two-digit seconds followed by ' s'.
7 h 46 min
